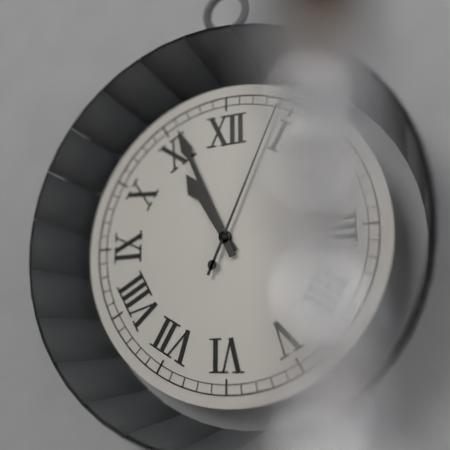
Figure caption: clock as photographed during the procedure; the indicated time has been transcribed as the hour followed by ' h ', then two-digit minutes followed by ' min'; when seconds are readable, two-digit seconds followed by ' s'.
10 h 56 min 04 s
